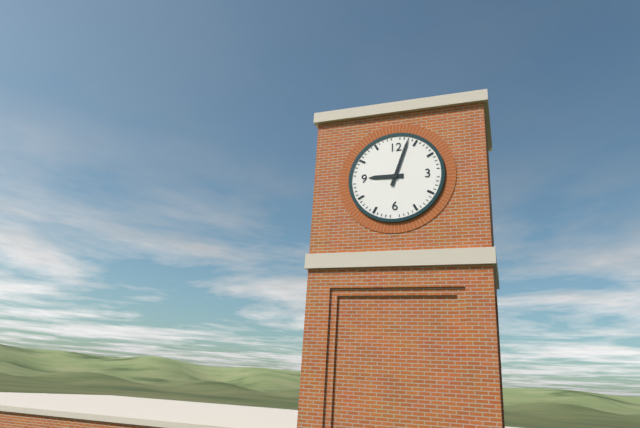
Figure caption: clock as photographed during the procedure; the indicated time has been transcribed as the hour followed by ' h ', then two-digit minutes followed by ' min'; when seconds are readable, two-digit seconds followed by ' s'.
9 h 03 min
